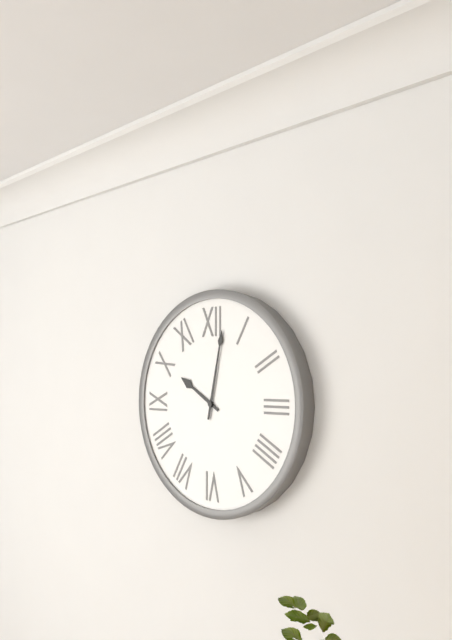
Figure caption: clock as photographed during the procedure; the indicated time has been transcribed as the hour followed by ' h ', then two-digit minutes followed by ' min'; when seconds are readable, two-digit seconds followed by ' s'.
10 h 02 min
